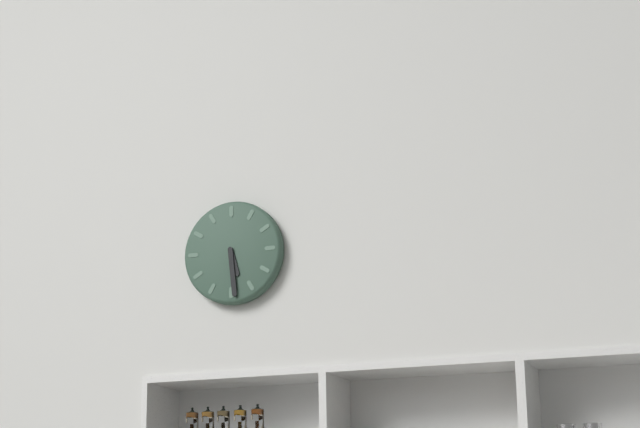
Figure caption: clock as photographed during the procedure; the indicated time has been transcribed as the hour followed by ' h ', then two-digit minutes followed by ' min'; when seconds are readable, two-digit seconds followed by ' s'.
5 h 29 min
